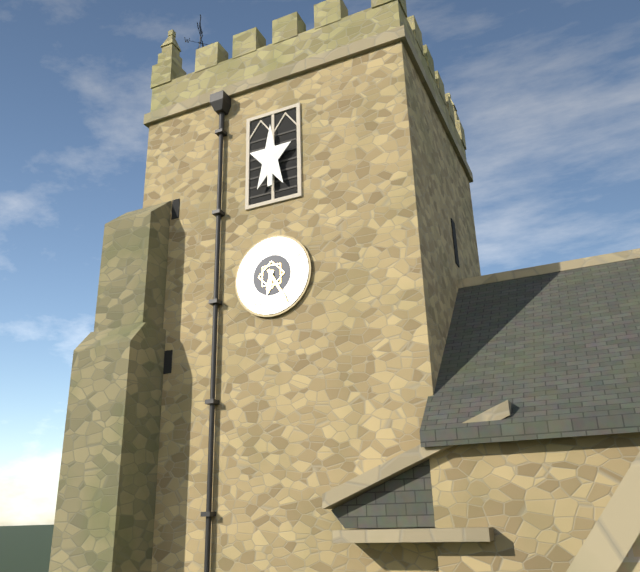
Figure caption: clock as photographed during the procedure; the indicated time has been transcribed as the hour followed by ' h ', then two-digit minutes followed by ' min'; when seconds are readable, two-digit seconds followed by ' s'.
6 h 25 min
